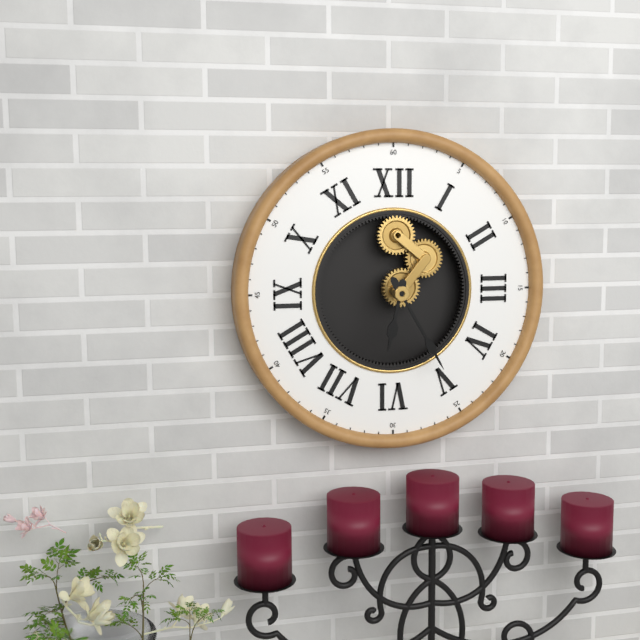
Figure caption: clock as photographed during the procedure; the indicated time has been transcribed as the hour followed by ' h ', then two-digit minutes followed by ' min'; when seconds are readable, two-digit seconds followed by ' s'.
6 h 25 min
